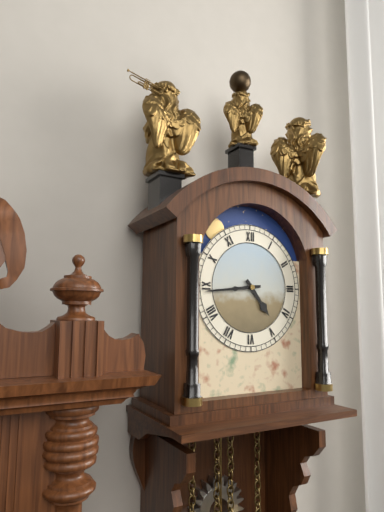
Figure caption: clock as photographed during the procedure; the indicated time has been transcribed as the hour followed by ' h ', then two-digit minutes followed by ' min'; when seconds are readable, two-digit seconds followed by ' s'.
4 h 44 min
